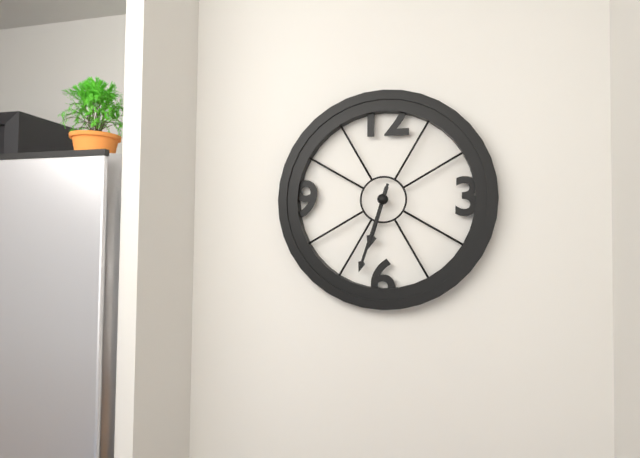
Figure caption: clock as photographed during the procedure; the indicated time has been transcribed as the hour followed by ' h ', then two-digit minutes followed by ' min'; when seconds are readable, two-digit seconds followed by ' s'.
6 h 33 min
